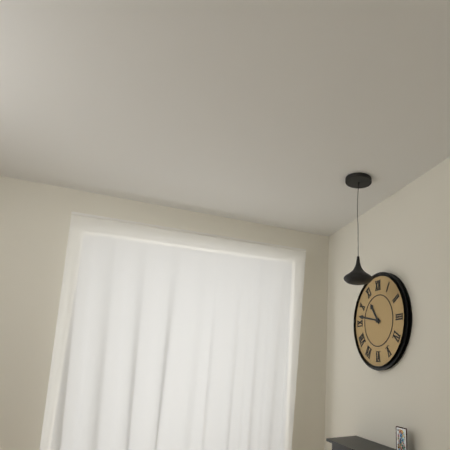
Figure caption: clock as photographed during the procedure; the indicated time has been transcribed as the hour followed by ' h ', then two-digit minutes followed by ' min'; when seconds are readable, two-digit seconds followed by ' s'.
10 h 47 min
